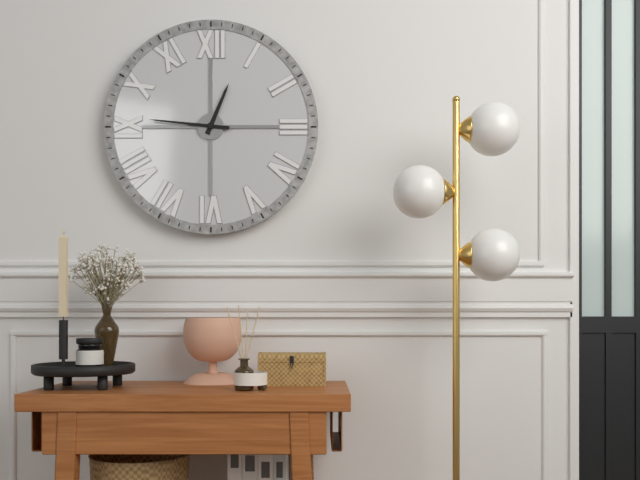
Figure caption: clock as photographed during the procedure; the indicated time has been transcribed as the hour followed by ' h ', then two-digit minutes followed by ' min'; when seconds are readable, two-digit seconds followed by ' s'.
12 h 46 min
